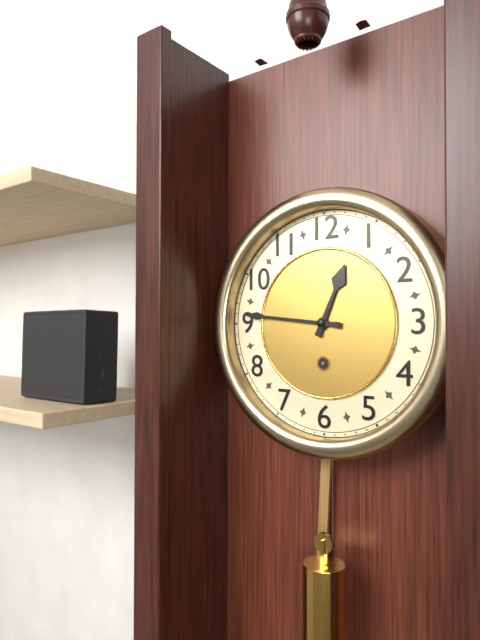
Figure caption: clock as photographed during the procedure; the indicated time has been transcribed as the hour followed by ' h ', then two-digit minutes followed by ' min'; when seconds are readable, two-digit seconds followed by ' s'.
12 h 46 min
